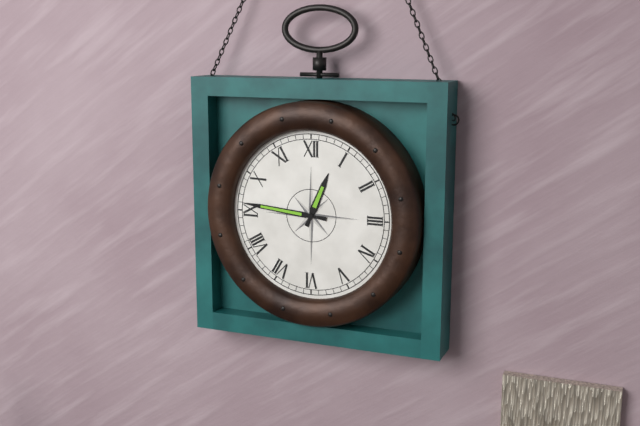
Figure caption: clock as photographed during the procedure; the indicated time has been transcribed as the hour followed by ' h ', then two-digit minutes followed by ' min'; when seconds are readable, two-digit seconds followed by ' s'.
12 h 46 min
